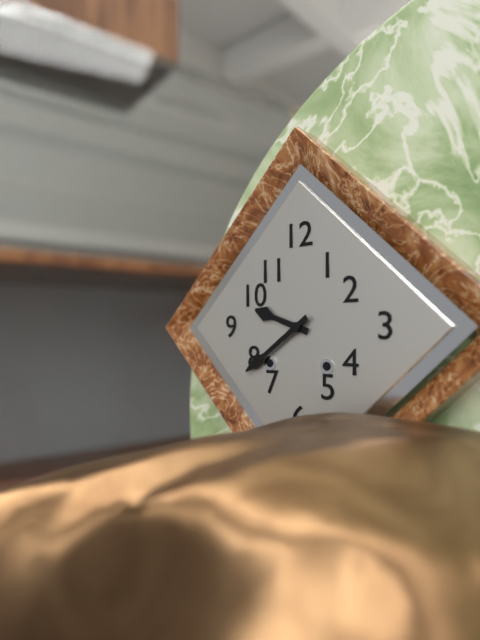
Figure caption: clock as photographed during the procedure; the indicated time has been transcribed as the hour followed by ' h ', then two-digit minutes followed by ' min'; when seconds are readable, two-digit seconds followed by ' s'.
9 h 39 min
